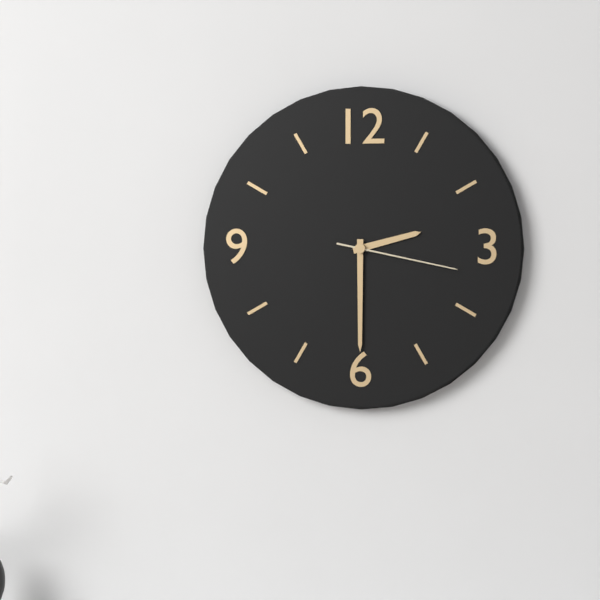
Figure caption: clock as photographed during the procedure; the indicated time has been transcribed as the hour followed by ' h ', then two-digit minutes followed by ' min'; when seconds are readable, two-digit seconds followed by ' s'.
2 h 30 min 17 s
